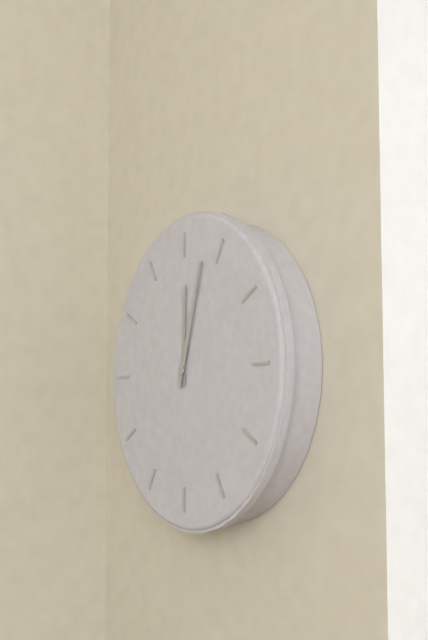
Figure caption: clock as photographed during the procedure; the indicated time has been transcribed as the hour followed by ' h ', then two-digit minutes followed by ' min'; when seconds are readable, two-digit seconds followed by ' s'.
12 h 03 min
